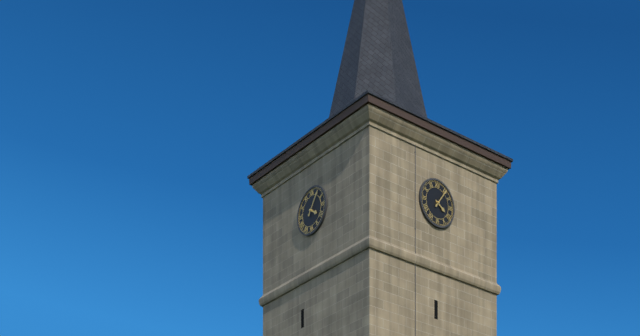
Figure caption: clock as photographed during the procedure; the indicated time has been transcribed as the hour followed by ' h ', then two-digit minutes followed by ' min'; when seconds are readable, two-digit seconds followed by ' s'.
4 h 06 min
